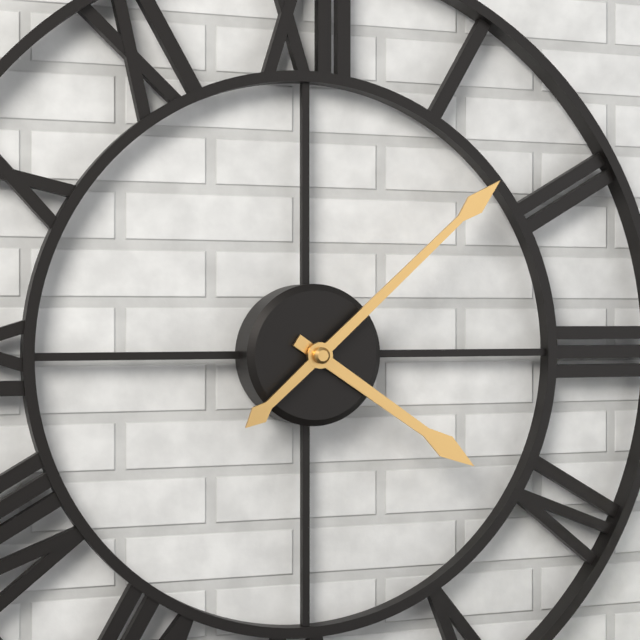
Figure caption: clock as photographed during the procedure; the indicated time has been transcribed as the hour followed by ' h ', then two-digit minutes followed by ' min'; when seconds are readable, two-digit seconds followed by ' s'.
4 h 08 min
